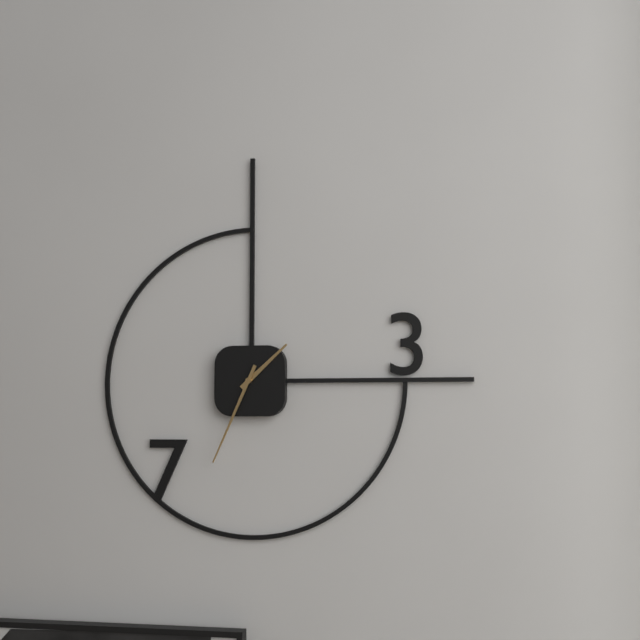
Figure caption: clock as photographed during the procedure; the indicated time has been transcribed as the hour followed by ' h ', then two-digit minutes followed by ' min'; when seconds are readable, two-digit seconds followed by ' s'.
1 h 34 min
